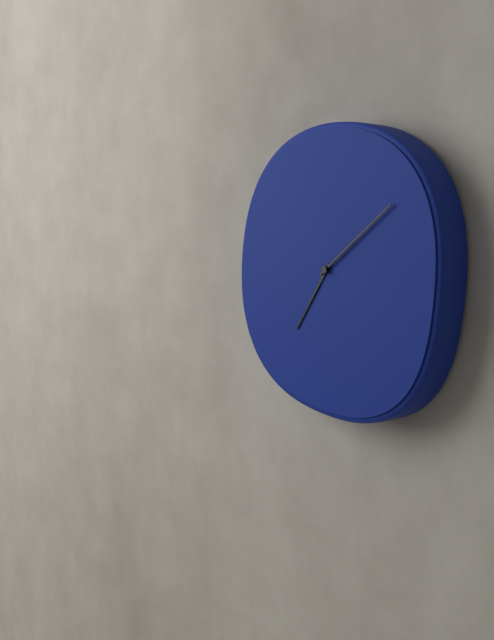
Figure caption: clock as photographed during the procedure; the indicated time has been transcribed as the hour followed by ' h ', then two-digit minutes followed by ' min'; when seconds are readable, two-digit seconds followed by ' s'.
7 h 09 min
